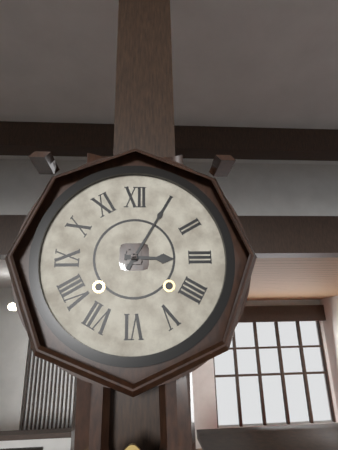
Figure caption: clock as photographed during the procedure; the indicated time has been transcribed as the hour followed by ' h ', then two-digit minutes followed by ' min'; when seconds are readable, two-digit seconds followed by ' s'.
3 h 05 min
